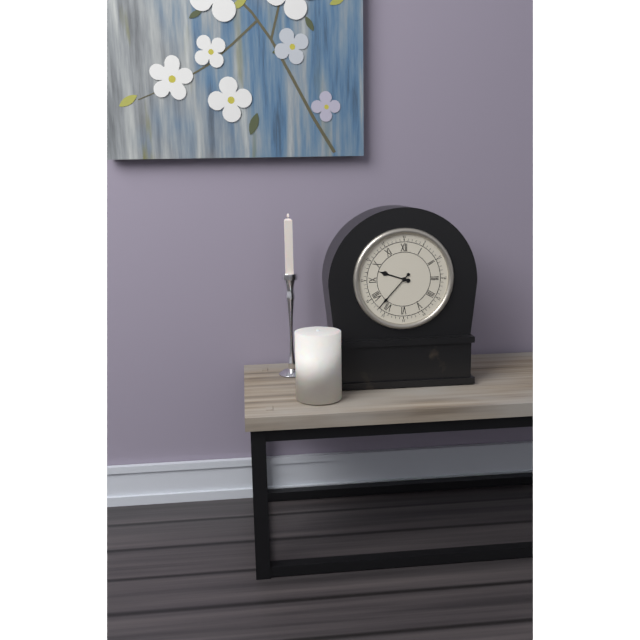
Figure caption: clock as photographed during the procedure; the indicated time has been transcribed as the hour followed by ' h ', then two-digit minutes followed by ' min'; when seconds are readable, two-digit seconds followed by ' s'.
9 h 37 min
